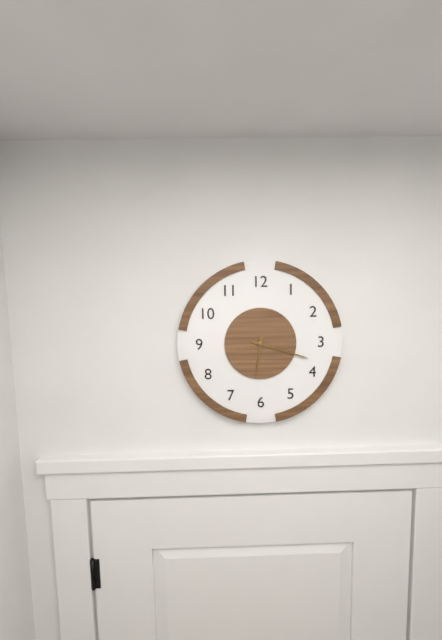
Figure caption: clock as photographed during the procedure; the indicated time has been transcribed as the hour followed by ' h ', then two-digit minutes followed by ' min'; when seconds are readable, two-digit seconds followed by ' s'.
6 h 18 min
